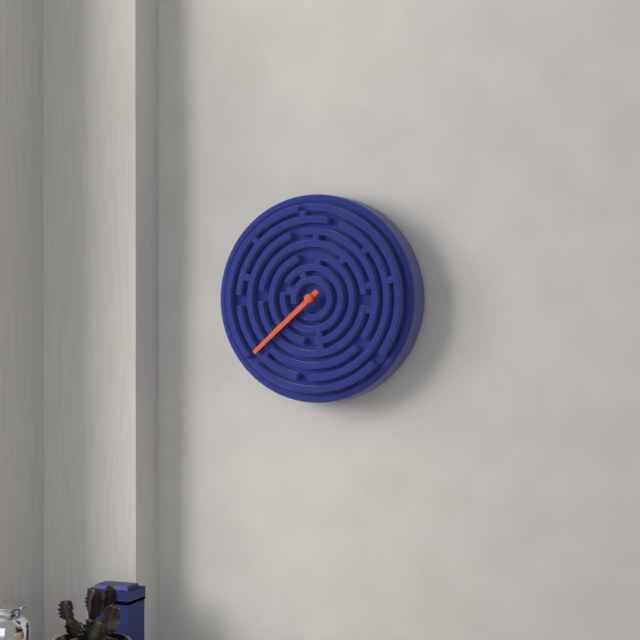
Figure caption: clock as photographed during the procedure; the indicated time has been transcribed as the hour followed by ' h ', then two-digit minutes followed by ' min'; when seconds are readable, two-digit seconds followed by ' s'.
7 h 38 min
